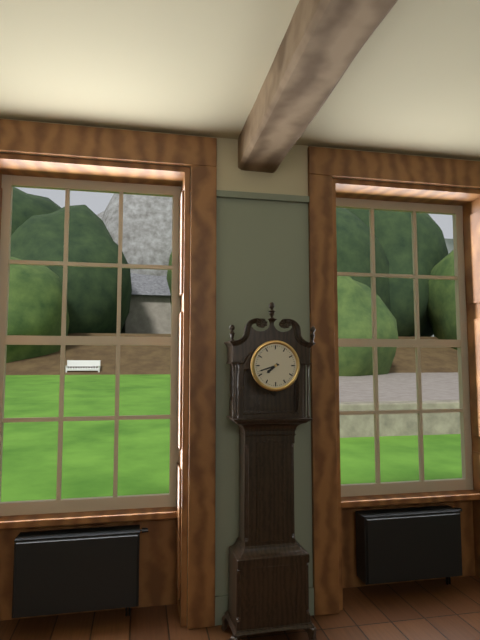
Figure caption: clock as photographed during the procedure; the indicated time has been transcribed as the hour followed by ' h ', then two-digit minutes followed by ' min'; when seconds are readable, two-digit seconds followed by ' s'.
7 h 42 min
